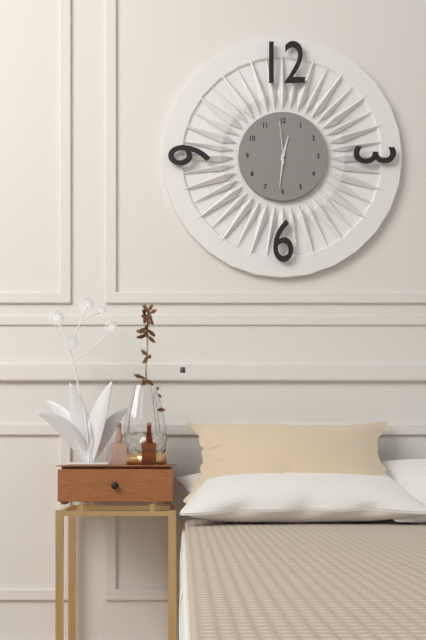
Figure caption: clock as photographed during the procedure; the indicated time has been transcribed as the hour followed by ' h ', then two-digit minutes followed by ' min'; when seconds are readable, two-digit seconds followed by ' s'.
12 h 31 min
